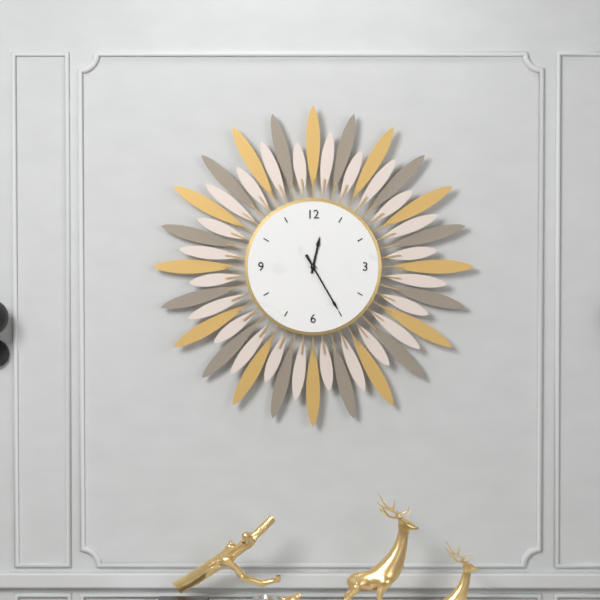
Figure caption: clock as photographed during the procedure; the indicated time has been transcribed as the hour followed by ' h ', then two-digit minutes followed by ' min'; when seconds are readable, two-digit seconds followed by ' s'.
12 h 25 min
